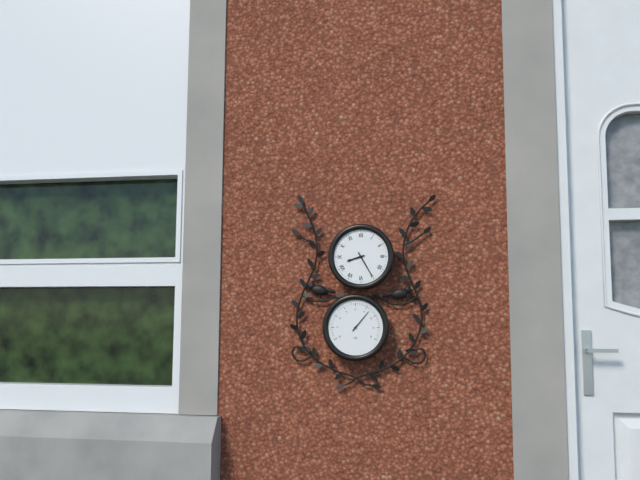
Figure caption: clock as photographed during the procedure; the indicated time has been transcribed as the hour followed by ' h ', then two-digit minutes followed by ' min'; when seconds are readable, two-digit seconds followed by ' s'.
8 h 25 min
